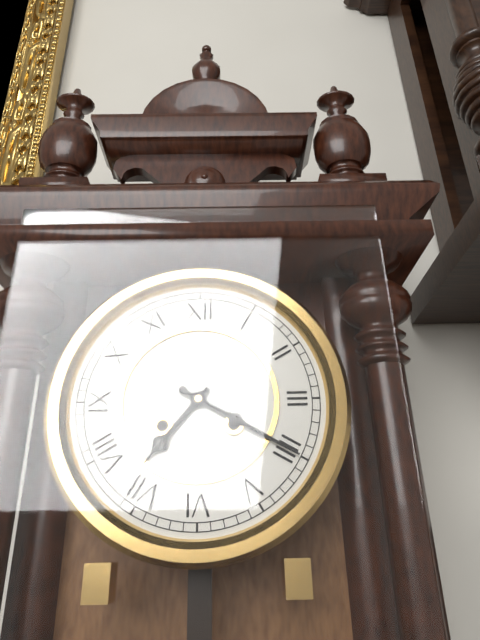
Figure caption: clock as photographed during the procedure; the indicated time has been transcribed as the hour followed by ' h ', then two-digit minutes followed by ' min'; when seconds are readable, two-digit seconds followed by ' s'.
7 h 20 min
